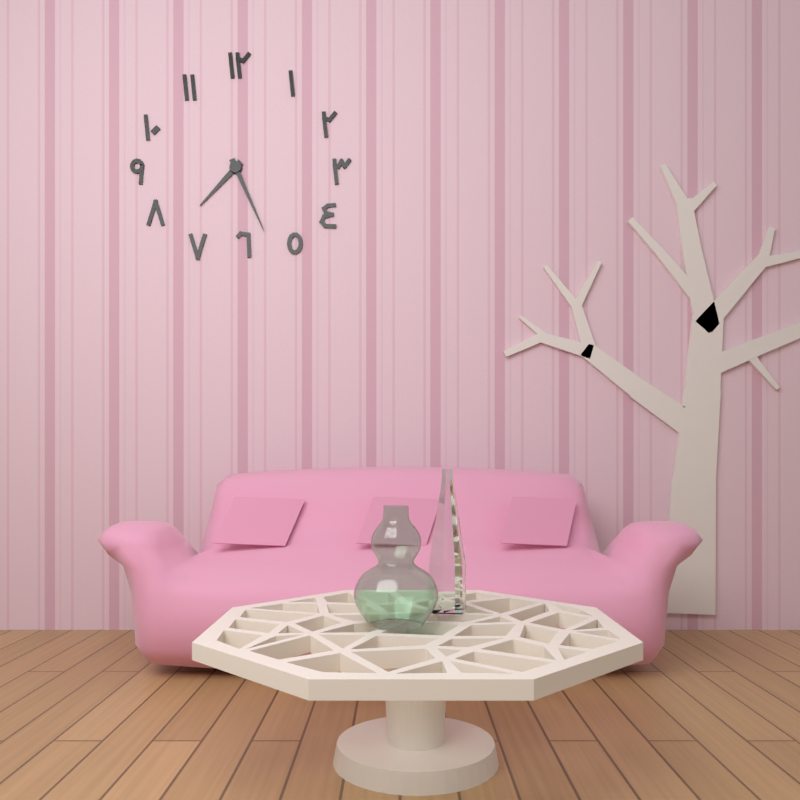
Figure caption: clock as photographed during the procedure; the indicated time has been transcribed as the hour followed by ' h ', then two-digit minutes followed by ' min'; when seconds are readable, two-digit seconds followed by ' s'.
7 h 26 min
